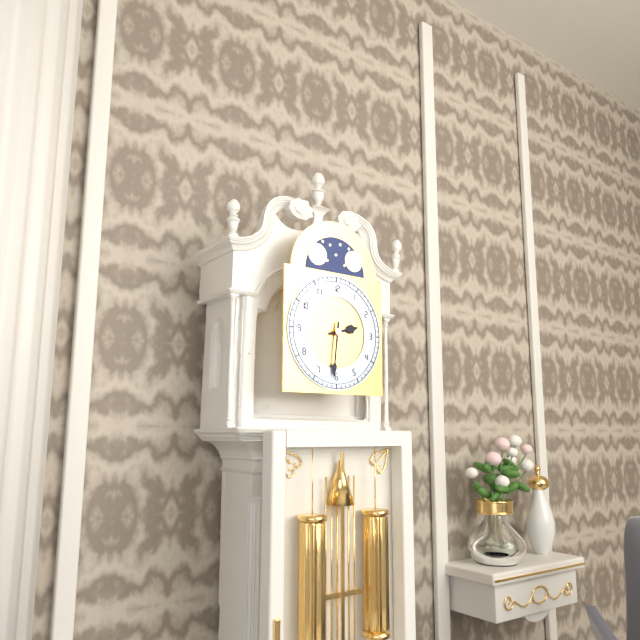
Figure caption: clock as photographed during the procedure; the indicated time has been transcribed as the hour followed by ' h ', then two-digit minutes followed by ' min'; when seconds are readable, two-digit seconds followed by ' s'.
2 h 31 min
